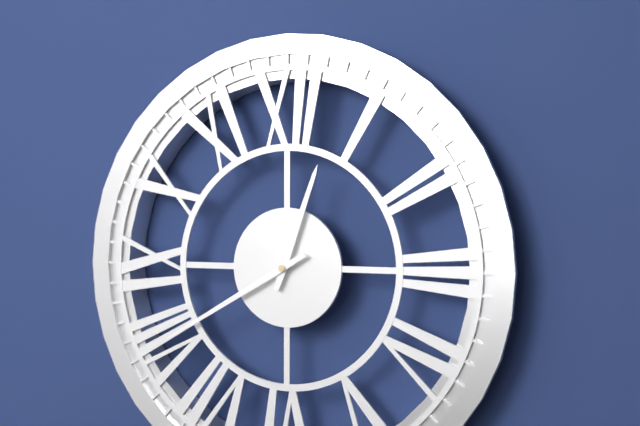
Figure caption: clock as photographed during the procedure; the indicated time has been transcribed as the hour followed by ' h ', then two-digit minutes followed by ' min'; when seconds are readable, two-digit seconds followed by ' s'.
12 h 40 min
